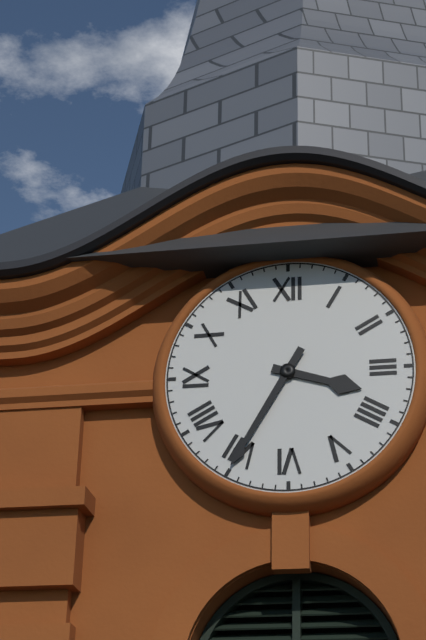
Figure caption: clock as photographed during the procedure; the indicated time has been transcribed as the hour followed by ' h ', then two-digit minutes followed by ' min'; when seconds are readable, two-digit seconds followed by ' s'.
3 h 35 min
